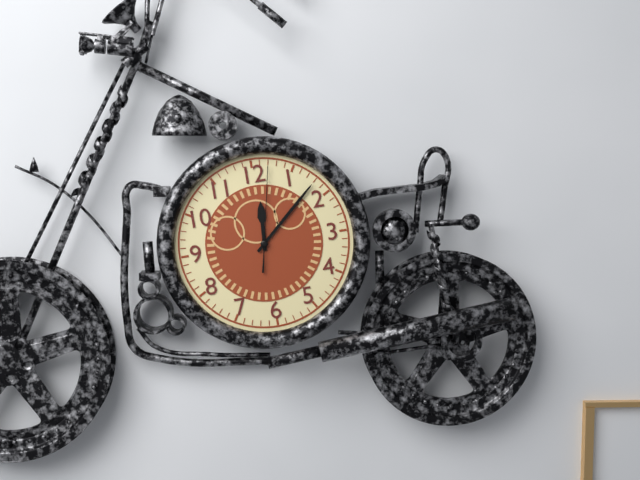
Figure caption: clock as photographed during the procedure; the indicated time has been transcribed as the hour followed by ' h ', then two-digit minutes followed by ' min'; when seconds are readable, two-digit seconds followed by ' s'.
12 h 08 min 02 s
